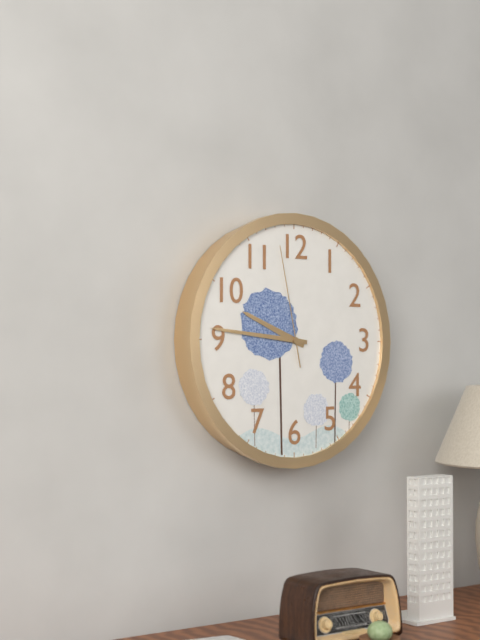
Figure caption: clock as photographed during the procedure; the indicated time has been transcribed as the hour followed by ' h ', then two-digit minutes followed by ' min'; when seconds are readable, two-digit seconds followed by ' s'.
9 h 46 min 58 s
